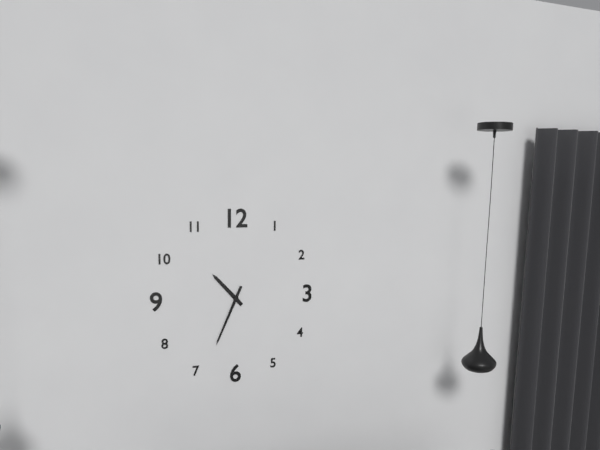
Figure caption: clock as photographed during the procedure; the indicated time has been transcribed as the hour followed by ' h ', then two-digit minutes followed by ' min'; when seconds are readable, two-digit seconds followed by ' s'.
10 h 34 min
